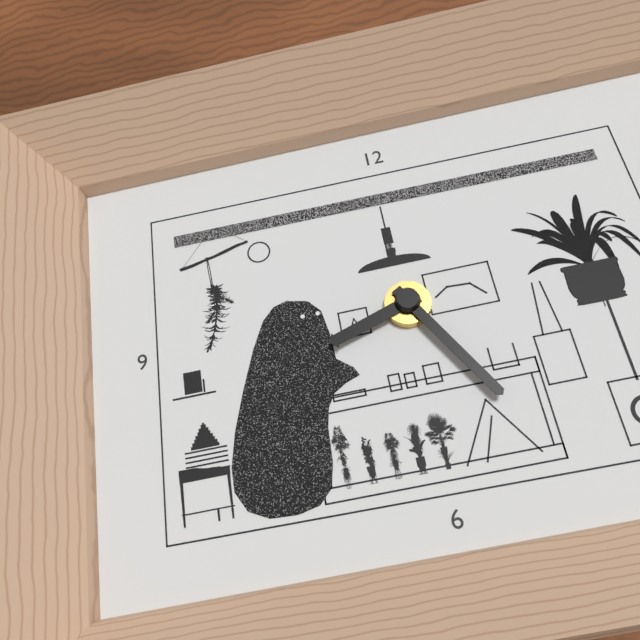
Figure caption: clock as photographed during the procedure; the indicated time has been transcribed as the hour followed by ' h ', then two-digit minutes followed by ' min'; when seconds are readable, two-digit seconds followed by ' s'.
8 h 25 min
